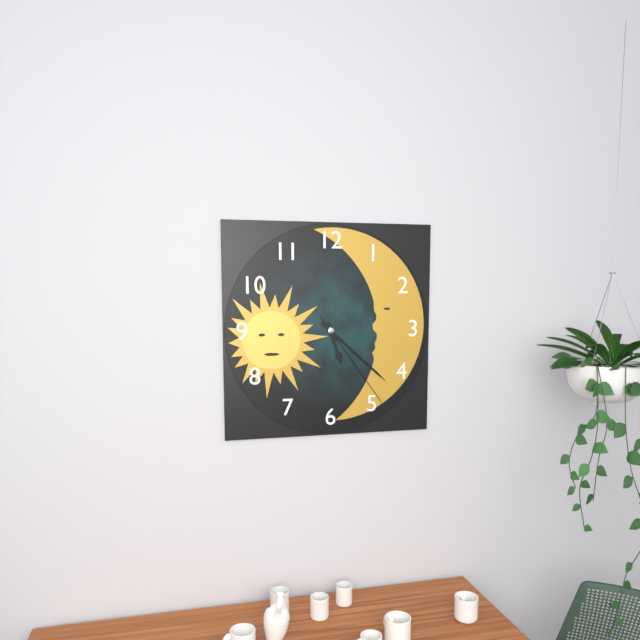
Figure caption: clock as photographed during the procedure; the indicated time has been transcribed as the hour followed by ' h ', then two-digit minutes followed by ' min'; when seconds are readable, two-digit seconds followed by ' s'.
5 h 22 min 24 s
